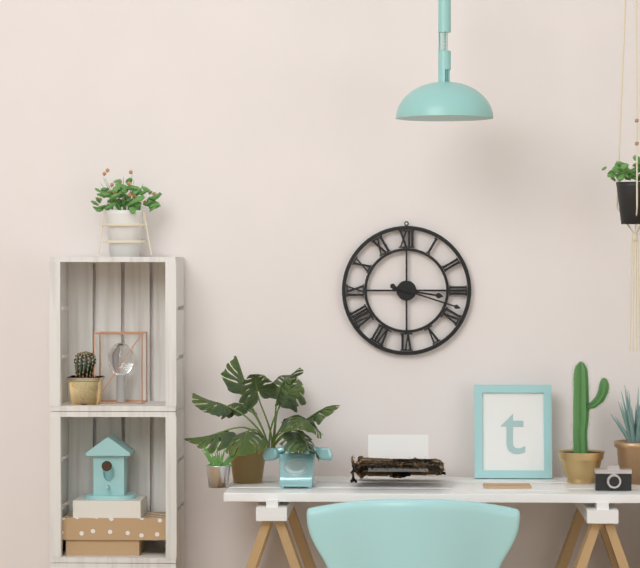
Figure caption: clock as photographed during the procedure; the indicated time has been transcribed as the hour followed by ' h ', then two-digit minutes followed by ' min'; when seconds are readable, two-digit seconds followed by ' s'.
3 h 18 min
